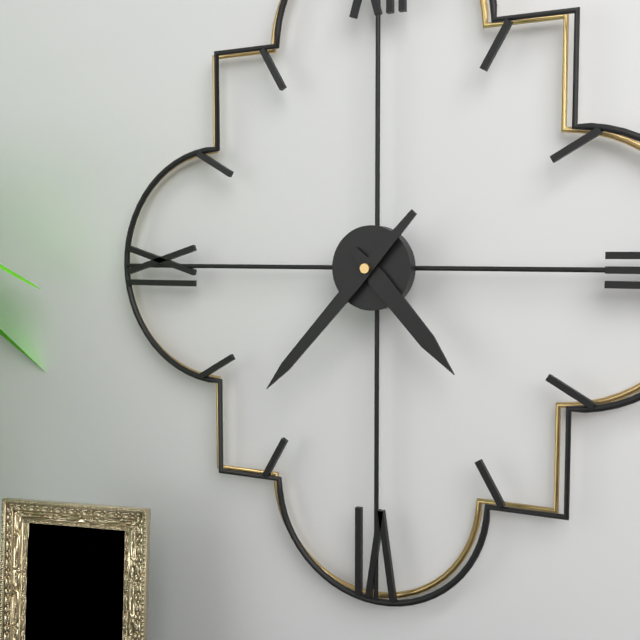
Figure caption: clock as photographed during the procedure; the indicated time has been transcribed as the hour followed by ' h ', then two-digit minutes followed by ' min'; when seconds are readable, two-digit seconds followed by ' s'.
4 h 37 min
